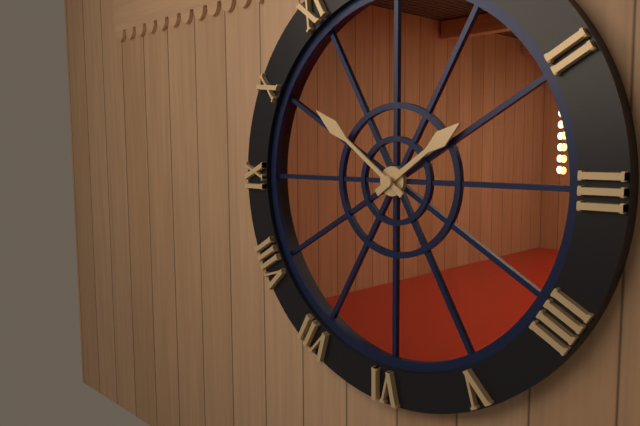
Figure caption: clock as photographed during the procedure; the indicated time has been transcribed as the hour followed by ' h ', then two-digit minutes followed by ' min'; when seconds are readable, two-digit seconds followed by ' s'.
1 h 51 min
